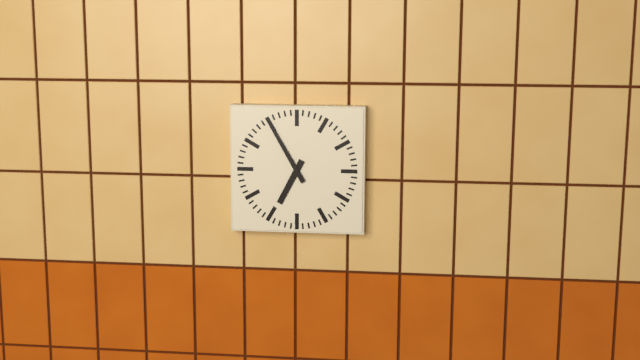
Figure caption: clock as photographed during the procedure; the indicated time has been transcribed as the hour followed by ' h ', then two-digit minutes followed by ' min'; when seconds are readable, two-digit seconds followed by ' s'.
6 h 55 min
